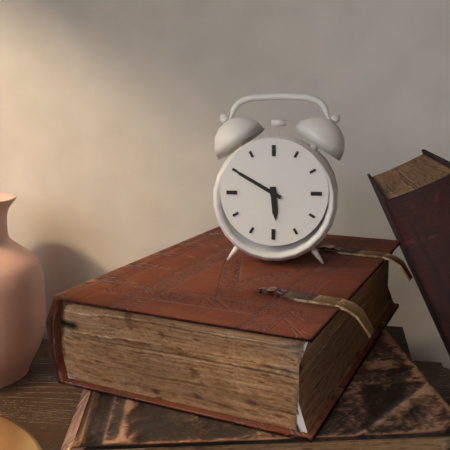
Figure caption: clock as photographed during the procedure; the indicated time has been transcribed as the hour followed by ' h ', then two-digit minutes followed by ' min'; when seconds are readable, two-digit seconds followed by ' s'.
5 h 50 min
